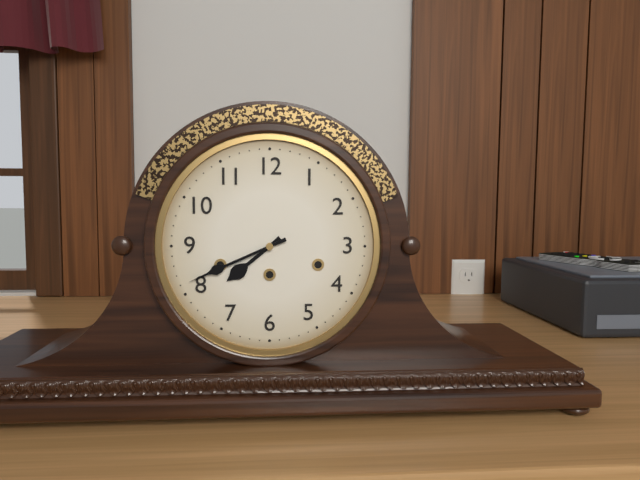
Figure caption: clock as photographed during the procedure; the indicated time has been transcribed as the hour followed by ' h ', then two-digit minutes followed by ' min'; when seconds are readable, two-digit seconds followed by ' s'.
7 h 41 min
